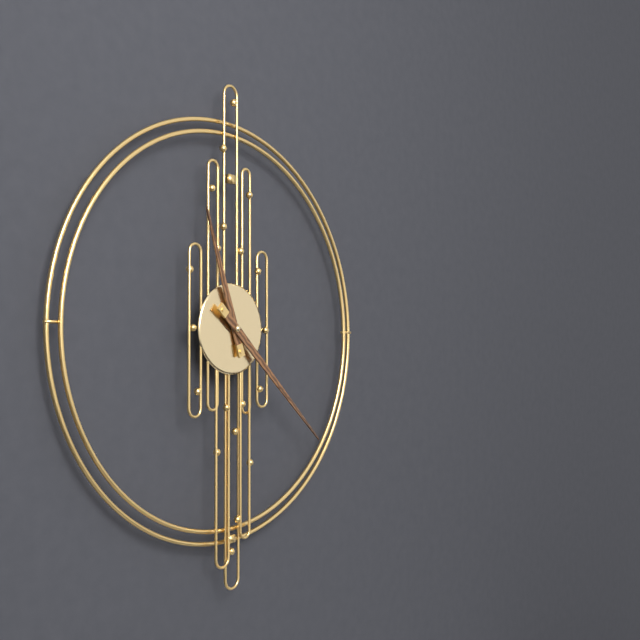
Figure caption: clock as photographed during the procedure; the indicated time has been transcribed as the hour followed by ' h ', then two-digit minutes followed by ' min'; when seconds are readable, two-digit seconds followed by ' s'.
11 h 22 min
